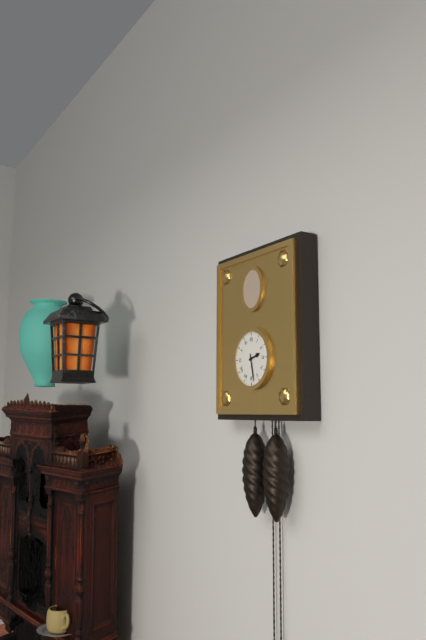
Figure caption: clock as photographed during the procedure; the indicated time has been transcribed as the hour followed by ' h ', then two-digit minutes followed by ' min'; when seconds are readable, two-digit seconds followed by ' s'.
2 h 28 min
